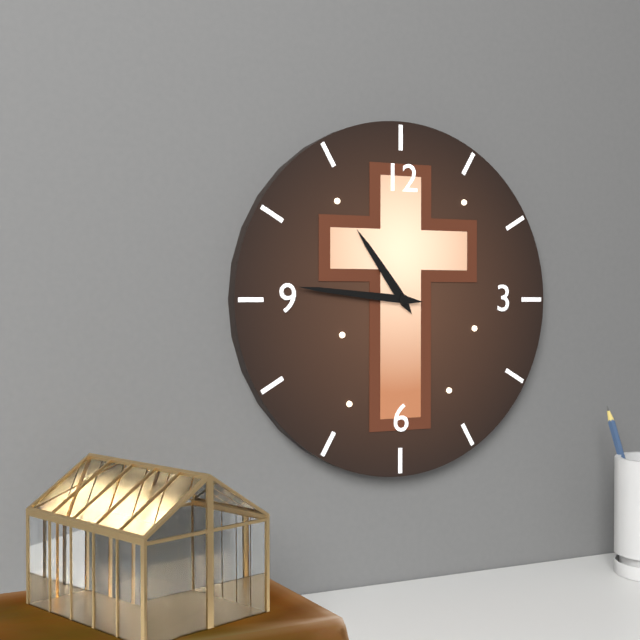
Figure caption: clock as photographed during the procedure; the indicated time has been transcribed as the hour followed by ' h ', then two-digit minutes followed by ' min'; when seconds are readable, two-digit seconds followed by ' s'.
10 h 46 min
